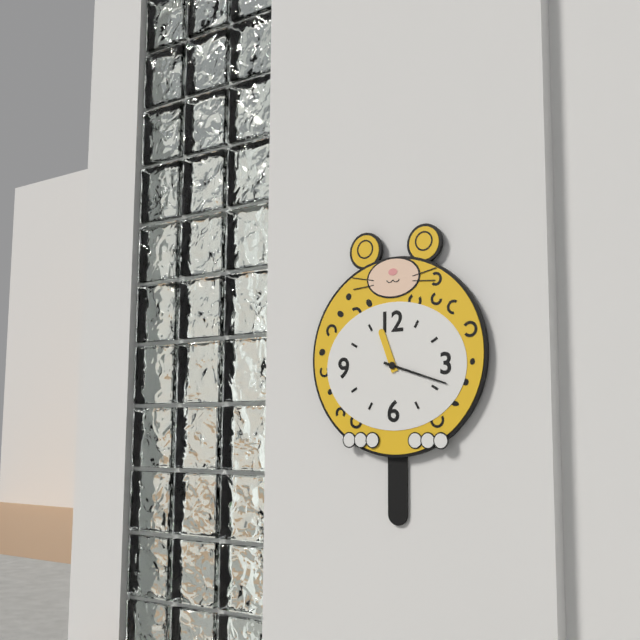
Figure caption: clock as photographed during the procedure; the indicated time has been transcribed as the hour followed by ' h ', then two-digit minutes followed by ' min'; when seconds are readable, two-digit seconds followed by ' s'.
11 h 18 min
